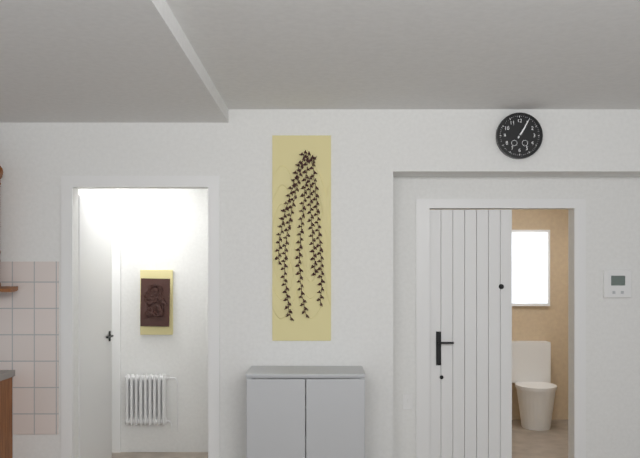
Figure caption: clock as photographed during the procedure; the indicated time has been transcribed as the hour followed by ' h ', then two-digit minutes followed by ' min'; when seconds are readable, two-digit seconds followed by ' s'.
1 h 05 min
